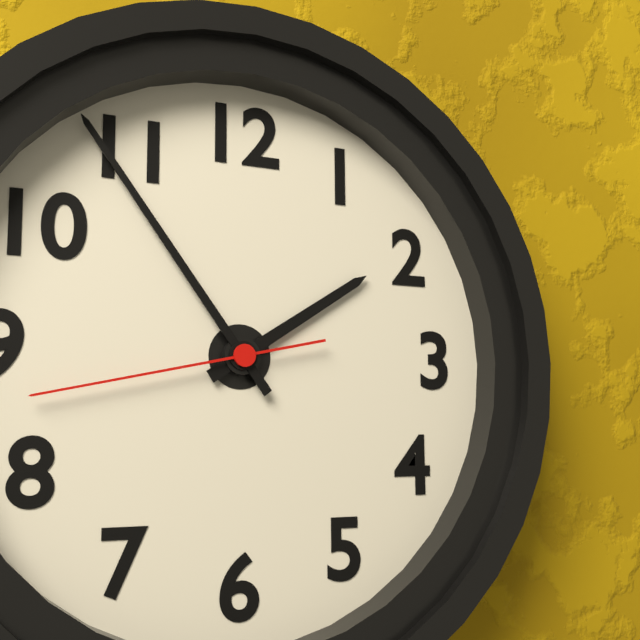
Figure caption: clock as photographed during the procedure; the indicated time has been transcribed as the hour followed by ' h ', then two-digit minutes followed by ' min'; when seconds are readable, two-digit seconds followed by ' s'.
1 h 54 min 43 s
